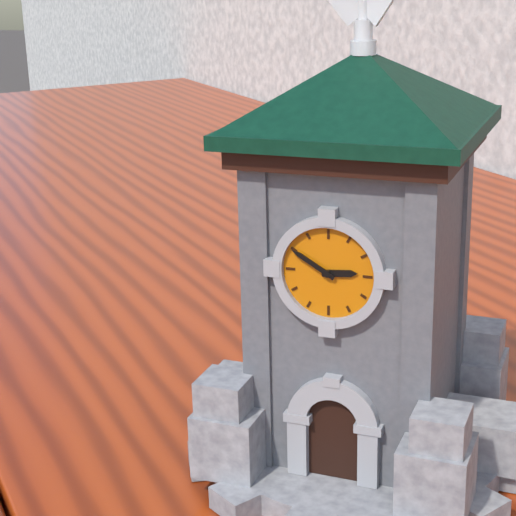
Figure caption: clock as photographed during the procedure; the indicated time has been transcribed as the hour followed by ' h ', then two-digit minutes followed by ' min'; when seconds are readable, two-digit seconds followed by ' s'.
2 h 50 min
